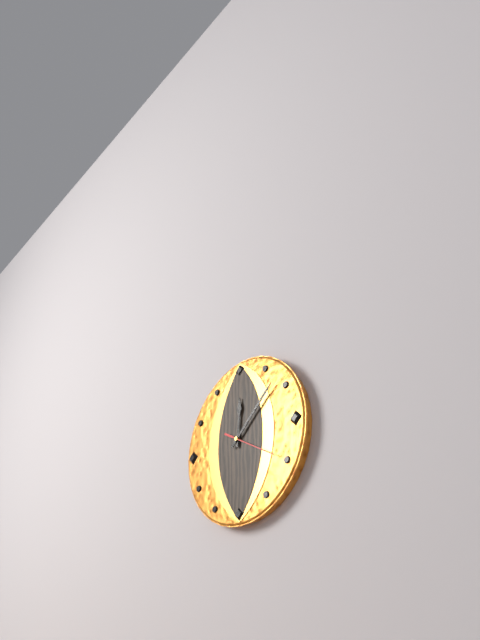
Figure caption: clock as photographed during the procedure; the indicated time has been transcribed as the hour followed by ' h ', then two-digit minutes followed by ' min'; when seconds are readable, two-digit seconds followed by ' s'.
12 h 08 min
